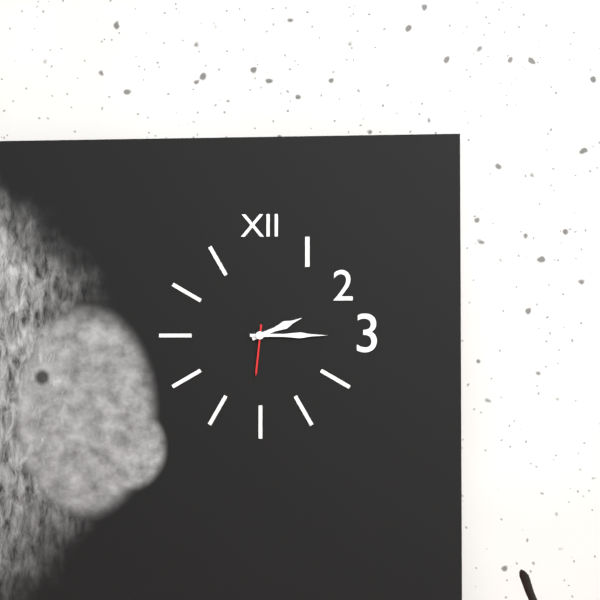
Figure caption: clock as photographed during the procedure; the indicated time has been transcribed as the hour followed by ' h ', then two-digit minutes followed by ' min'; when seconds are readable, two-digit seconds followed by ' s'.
2 h 15 min 31 s
